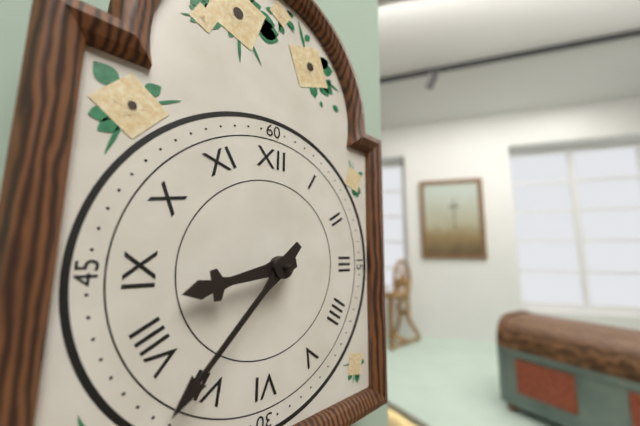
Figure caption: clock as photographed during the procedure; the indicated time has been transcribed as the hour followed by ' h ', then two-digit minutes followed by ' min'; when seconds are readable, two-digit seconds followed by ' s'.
8 h 37 min
